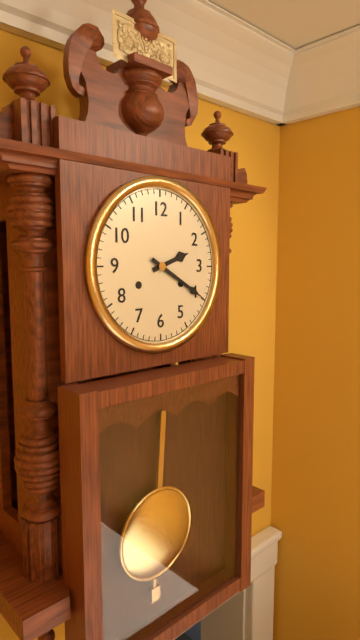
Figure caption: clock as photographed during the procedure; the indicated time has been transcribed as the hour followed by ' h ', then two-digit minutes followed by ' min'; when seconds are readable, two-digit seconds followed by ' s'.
2 h 20 min
